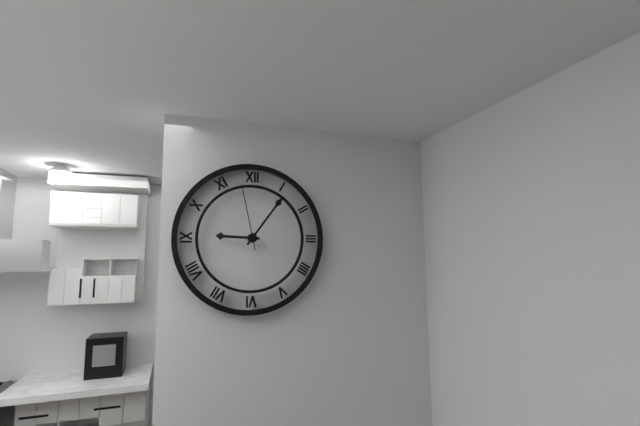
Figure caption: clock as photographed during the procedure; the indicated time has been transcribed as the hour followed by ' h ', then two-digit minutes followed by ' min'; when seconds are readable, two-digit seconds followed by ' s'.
9 h 06 min 58 s
